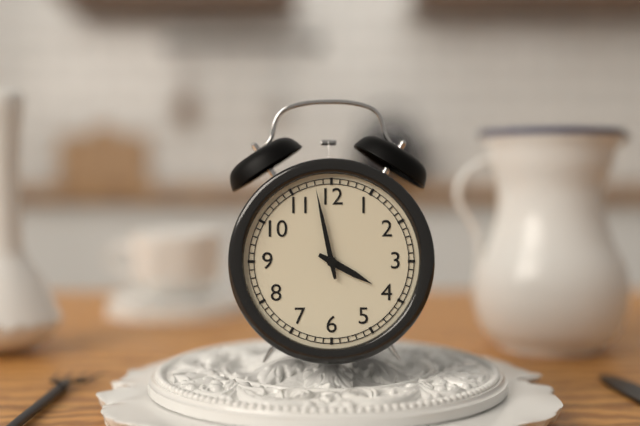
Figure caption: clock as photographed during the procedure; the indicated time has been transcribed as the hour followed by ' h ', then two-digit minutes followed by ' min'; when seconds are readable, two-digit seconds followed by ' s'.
3 h 58 min
